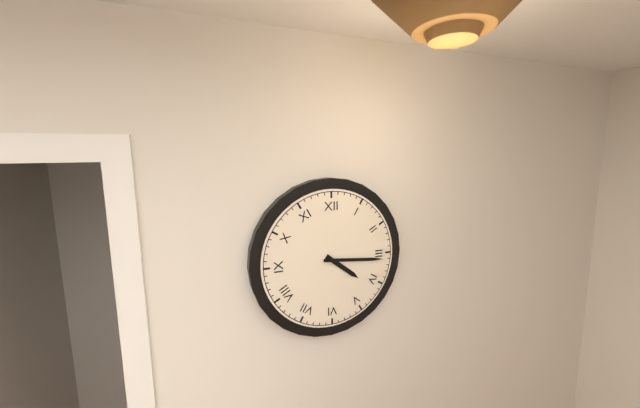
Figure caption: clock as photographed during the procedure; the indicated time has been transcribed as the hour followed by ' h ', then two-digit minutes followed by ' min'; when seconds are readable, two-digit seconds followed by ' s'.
4 h 16 min
